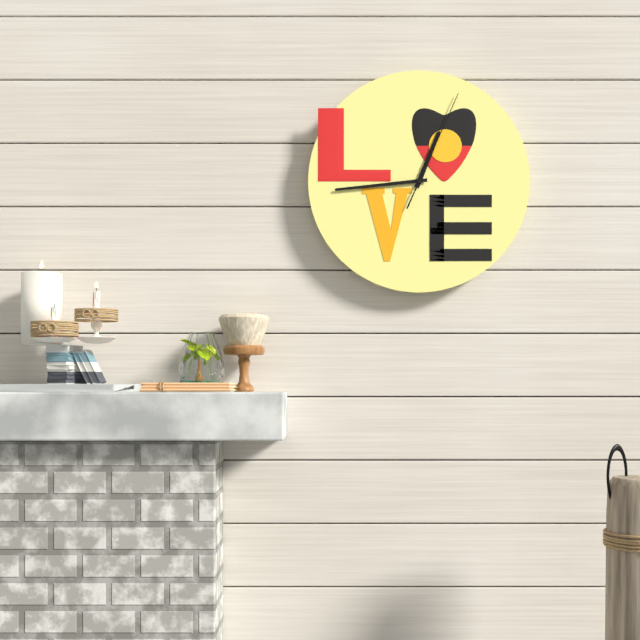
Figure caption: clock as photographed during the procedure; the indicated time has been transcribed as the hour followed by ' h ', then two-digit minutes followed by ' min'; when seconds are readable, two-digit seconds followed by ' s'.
12 h 44 min 04 s
